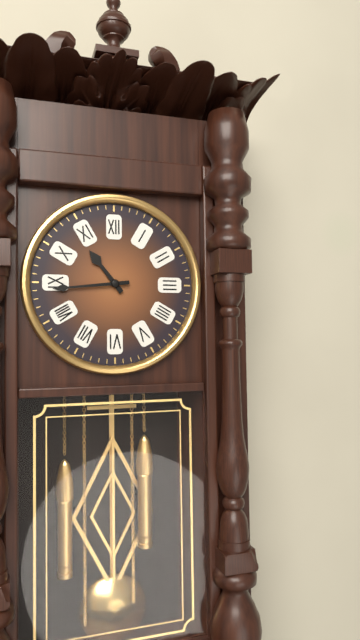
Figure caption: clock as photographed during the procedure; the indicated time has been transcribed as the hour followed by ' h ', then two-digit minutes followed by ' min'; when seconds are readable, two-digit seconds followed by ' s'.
10 h 44 min
